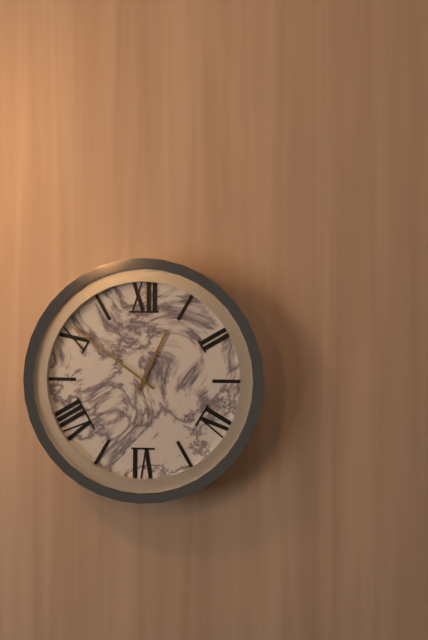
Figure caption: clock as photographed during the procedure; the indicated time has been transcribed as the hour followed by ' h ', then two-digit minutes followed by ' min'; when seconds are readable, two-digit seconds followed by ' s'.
12 h 51 min
